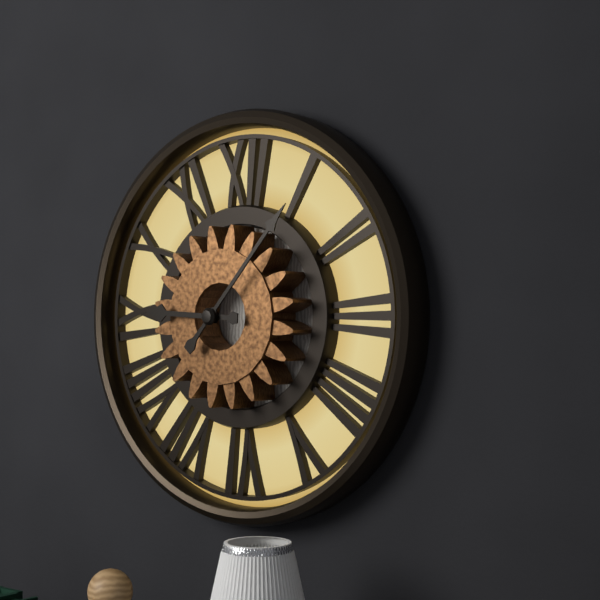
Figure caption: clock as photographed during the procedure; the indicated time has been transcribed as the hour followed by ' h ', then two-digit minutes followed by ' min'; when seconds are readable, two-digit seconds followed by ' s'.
9 h 07 min
